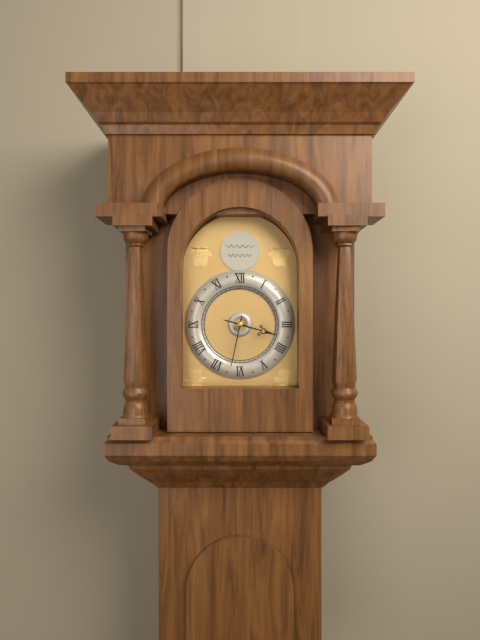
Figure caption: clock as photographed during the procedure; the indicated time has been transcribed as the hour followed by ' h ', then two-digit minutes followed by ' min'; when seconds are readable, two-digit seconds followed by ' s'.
3 h 32 min
